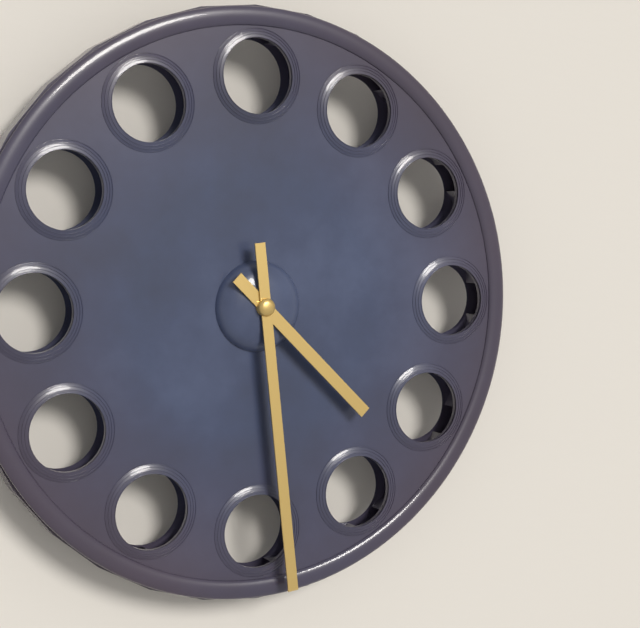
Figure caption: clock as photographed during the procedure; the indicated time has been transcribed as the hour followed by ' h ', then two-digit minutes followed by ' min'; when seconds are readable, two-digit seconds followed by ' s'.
4 h 29 min
